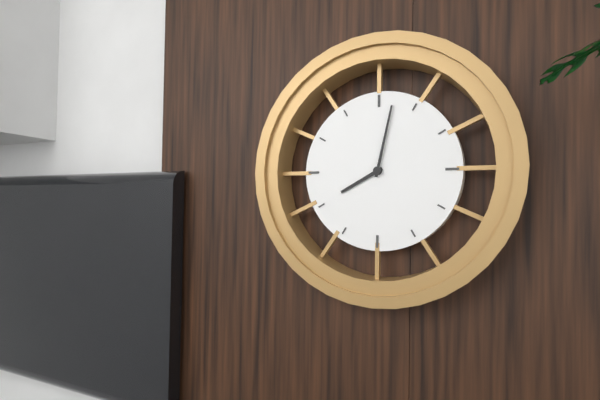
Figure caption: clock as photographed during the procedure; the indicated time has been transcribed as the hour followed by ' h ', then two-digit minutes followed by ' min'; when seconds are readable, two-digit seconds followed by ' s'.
8 h 02 min
